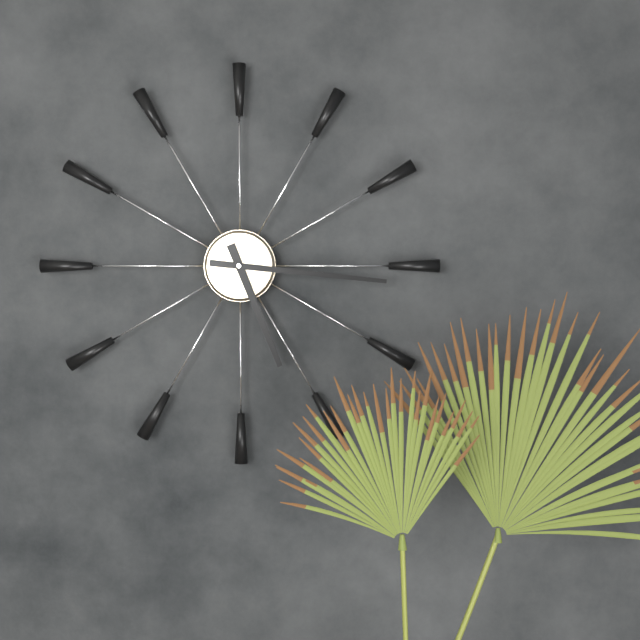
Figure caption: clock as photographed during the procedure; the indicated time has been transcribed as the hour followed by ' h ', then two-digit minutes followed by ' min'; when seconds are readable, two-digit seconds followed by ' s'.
5 h 16 min
